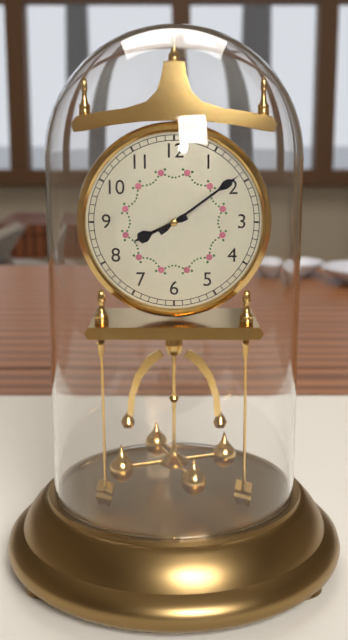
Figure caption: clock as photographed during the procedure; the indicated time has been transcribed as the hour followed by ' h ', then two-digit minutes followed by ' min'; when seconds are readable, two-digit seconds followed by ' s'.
8 h 09 min
